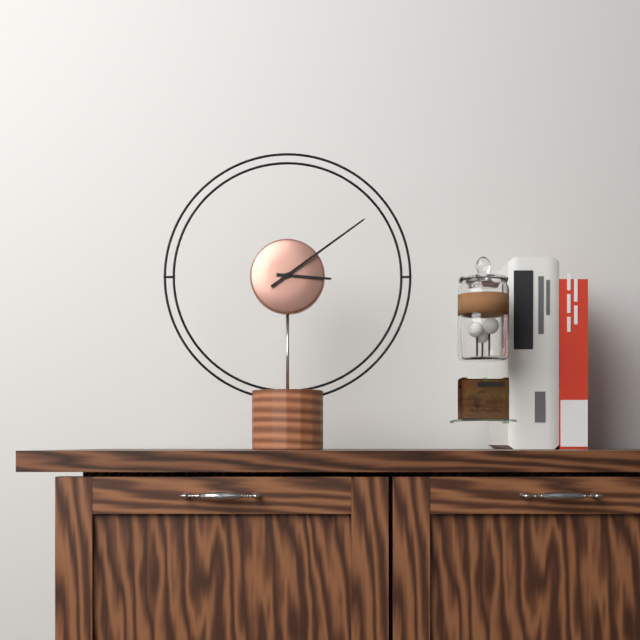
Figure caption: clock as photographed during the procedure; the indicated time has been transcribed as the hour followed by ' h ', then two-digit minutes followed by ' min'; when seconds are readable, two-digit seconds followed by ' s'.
3 h 09 min
